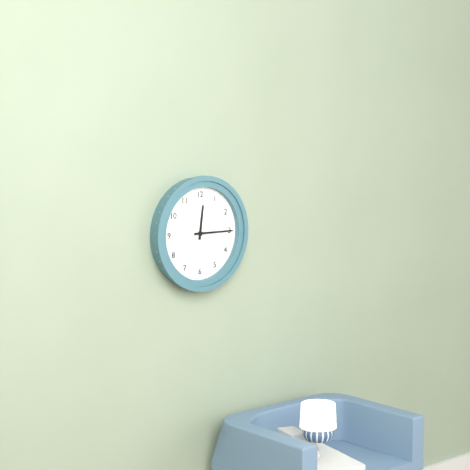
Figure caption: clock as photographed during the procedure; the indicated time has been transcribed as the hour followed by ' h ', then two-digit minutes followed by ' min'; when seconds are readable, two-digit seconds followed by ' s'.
12 h 15 min
